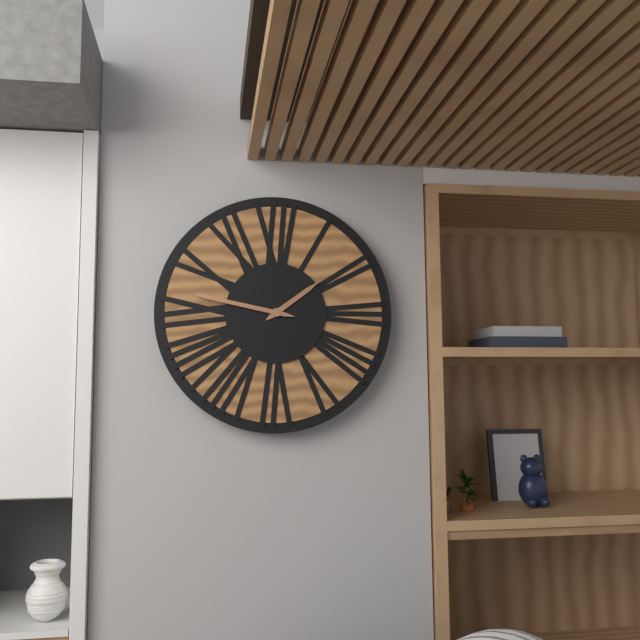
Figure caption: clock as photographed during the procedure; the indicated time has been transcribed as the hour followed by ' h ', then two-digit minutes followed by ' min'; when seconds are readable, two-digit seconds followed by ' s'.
1 h 47 min
